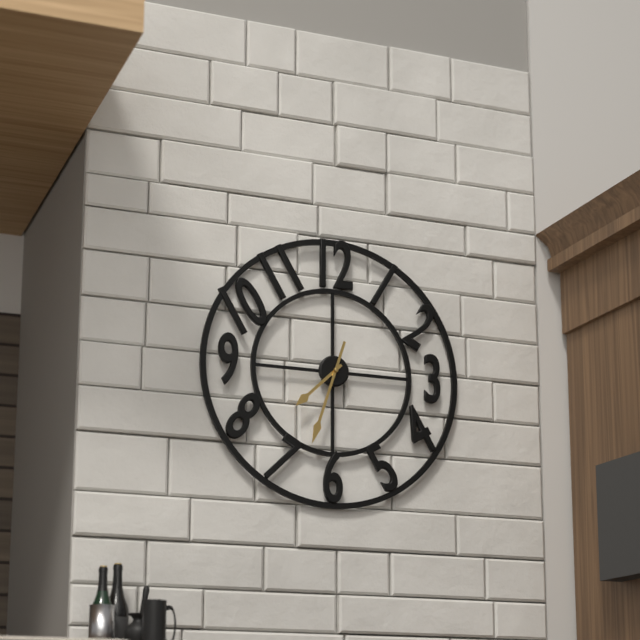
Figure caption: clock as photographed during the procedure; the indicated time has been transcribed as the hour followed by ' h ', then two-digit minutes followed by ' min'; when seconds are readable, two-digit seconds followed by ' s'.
7 h 33 min
